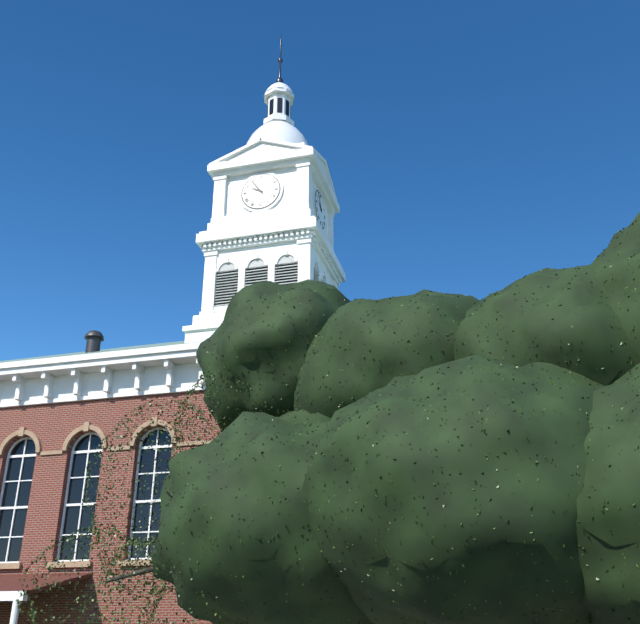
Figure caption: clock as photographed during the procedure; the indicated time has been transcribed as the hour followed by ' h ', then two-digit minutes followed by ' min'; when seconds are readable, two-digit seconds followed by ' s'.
9 h 54 min
